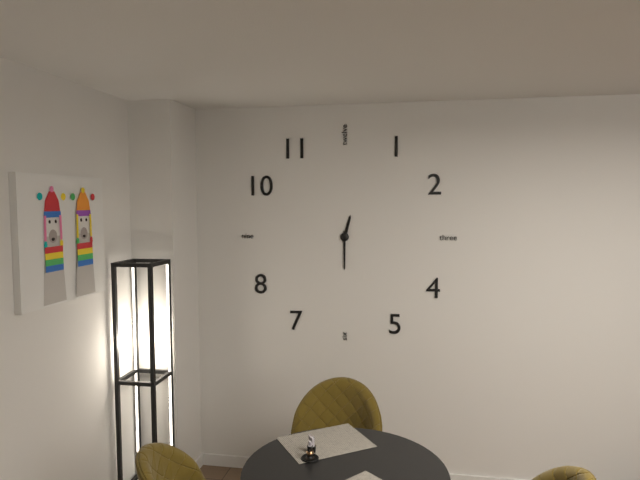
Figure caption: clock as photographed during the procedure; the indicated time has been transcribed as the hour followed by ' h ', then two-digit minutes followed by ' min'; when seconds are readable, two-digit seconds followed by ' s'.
12 h 30 min
